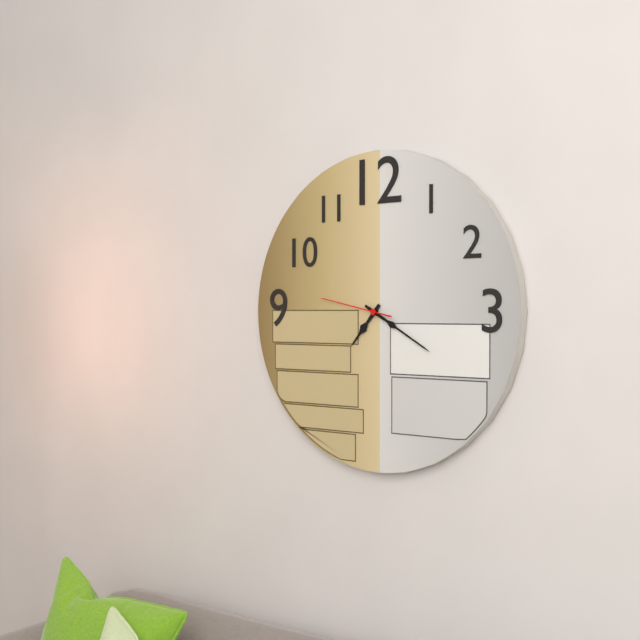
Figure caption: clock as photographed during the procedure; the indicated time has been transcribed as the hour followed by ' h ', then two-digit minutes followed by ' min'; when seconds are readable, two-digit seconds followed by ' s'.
7 h 20 min 47 s
